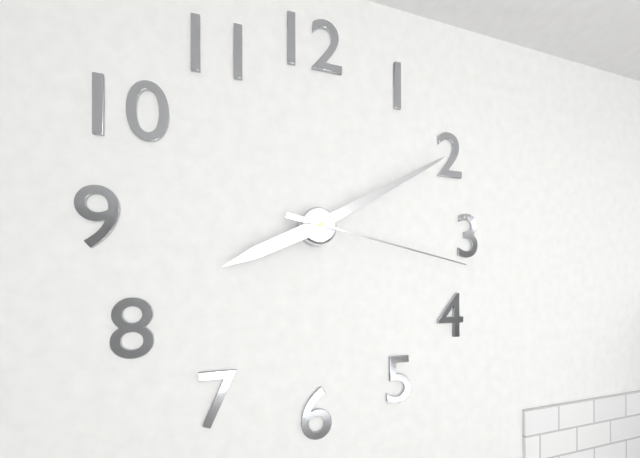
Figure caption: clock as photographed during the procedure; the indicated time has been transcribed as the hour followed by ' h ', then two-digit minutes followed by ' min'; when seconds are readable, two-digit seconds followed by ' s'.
8 h 10 min 17 s
